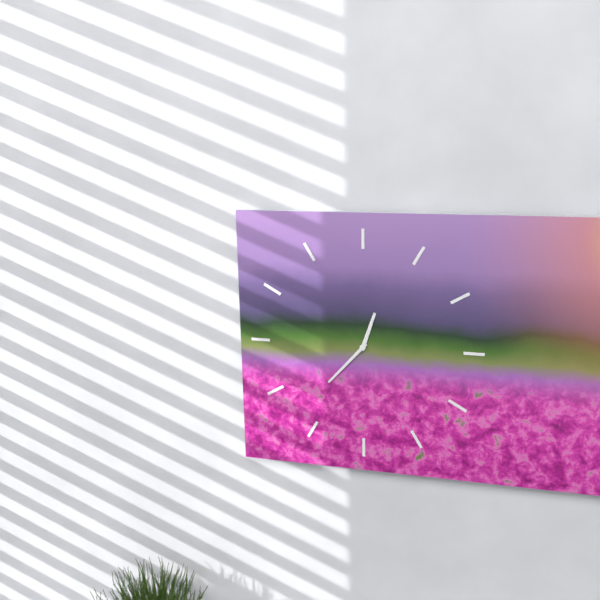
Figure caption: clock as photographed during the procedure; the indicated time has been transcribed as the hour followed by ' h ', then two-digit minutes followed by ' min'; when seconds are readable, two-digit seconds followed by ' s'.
12 h 37 min
